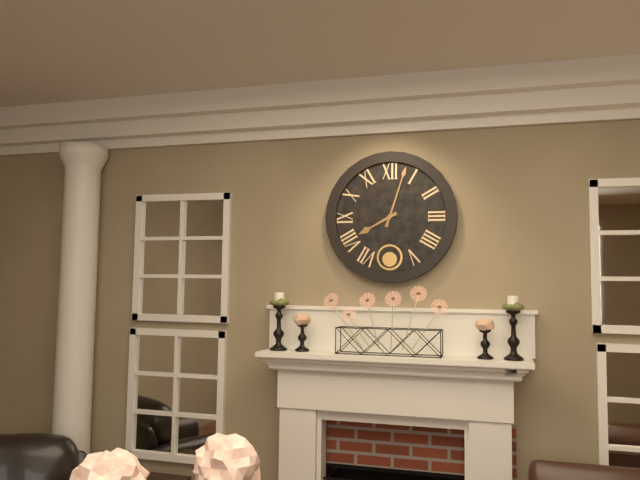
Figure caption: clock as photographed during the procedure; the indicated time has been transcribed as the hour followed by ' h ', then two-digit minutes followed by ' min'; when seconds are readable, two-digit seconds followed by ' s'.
8 h 03 min
